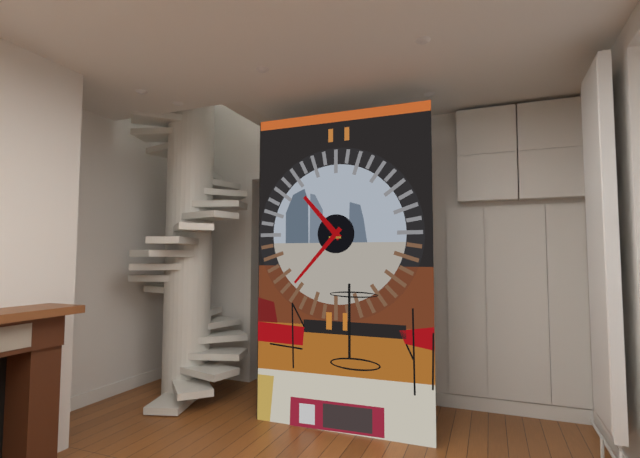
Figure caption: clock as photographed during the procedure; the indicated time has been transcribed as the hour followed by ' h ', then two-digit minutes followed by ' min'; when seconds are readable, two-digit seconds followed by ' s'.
10 h 37 min
